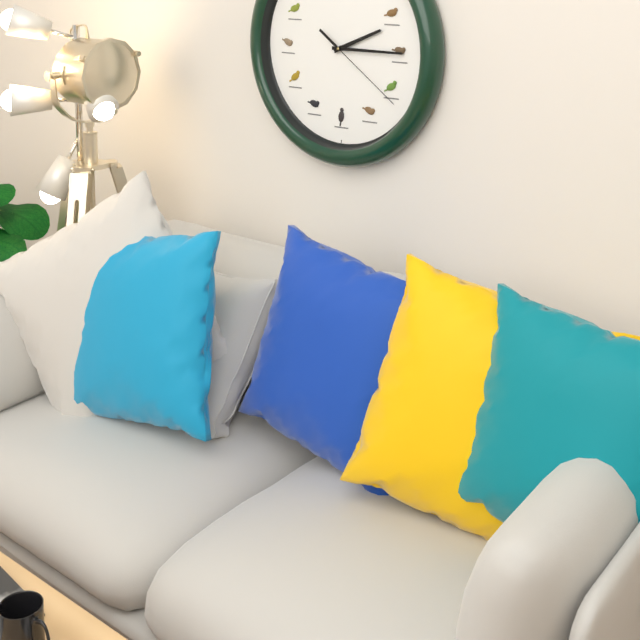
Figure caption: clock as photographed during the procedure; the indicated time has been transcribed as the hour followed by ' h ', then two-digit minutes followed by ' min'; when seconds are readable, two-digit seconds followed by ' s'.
2 h 15 min 21 s
